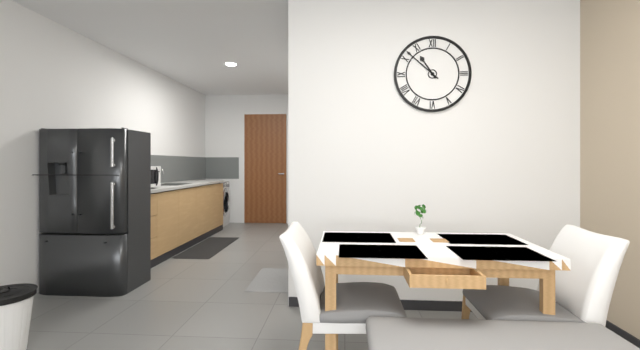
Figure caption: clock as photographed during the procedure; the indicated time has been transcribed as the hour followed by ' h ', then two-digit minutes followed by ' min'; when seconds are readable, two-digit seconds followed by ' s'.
10 h 52 min
